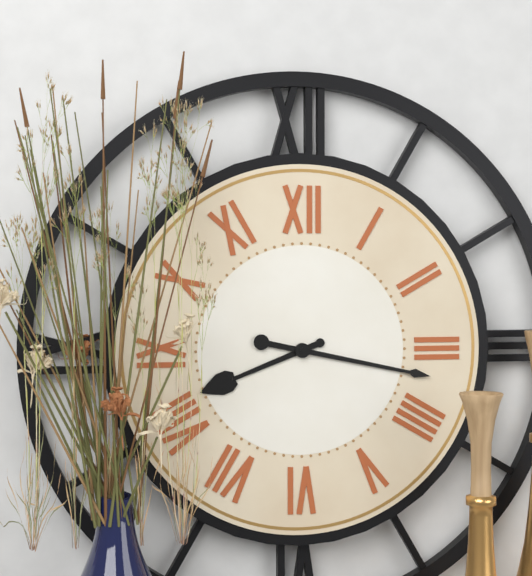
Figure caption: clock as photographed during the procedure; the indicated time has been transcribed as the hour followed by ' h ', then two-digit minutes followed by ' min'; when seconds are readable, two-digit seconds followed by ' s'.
8 h 17 min
